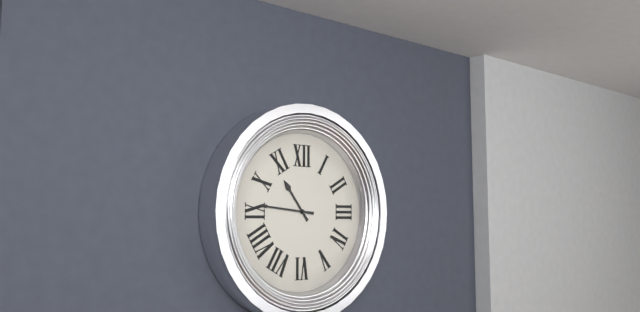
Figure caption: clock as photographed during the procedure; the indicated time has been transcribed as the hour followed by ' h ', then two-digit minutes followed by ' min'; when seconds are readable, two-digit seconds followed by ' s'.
10 h 46 min
